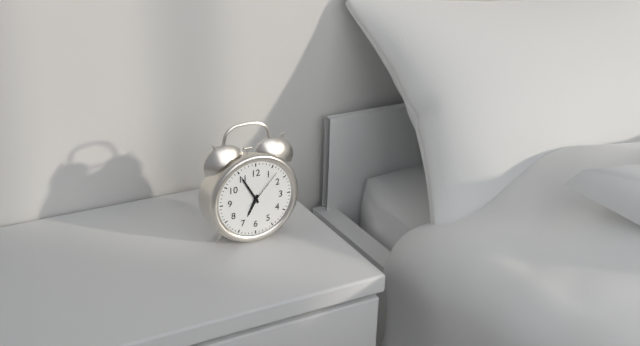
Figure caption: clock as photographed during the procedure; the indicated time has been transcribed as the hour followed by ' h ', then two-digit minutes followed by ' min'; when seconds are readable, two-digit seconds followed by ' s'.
6 h 55 min
